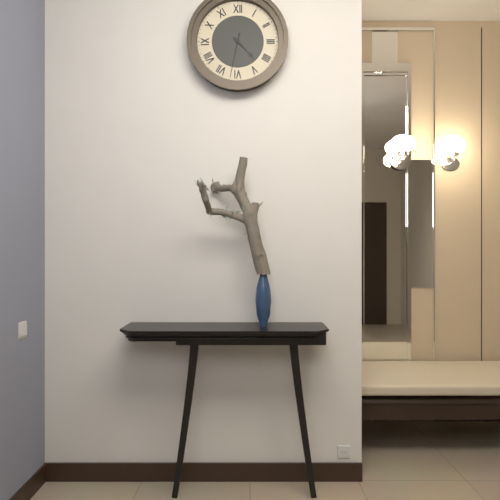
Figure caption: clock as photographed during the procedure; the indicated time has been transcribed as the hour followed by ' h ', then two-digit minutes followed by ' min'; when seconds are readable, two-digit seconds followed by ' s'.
4 h 32 min
